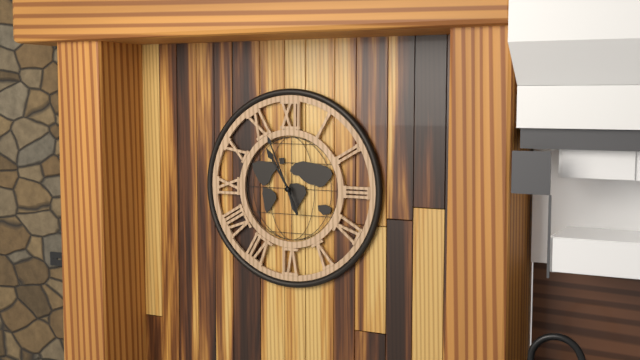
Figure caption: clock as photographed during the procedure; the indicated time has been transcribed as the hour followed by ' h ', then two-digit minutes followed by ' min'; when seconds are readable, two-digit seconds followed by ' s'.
10 h 56 min
